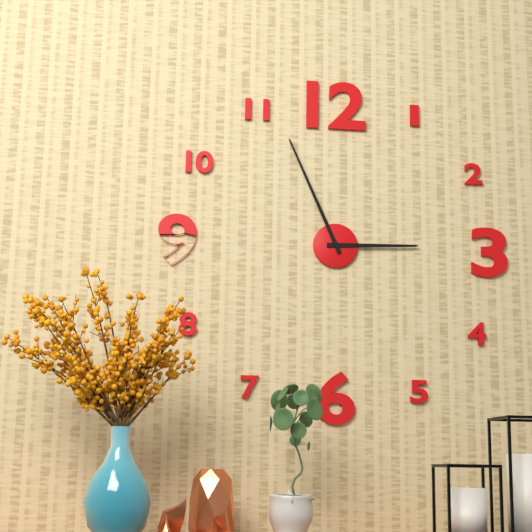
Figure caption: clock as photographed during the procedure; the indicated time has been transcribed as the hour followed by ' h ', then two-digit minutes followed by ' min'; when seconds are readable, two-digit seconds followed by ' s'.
2 h 56 min
